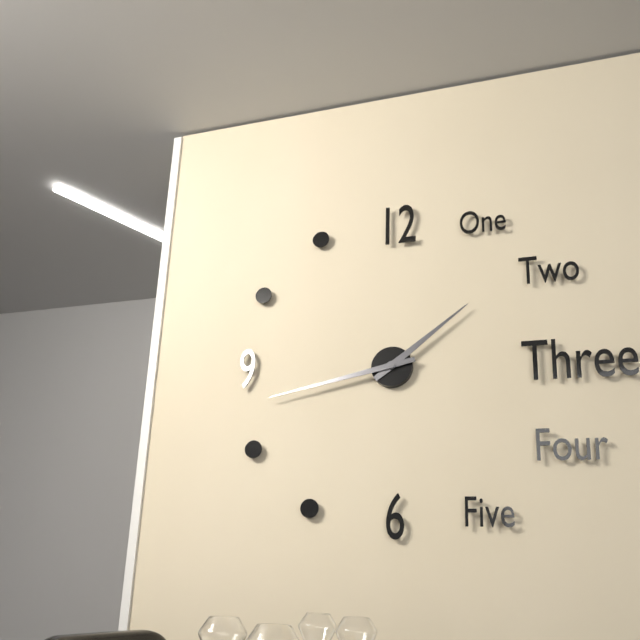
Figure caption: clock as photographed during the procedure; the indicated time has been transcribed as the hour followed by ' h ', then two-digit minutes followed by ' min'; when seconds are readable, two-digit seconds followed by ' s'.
1 h 43 min
